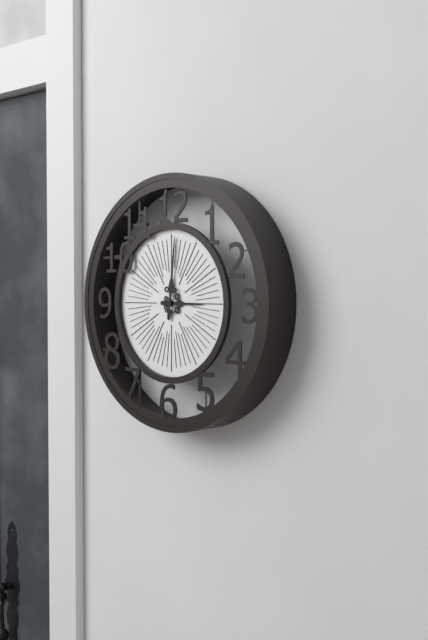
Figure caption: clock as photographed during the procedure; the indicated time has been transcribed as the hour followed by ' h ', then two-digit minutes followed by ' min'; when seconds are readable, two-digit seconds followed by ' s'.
3 h 01 min
